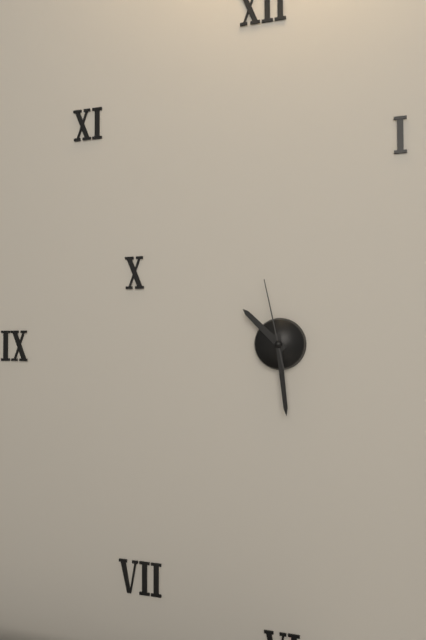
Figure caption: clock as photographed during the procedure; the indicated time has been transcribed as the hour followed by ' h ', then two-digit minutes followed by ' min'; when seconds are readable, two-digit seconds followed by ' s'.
10 h 29 min 58 s
